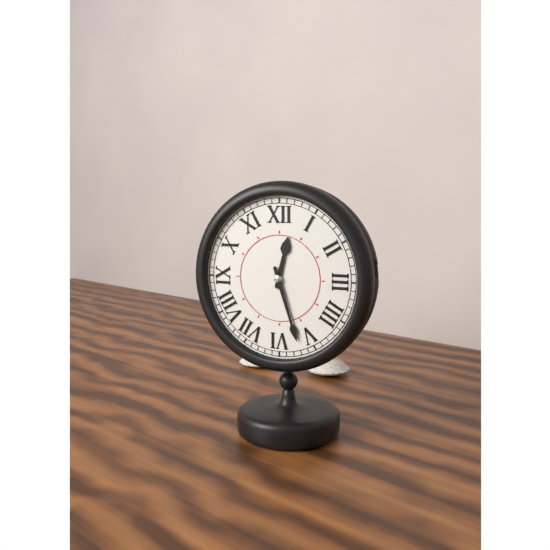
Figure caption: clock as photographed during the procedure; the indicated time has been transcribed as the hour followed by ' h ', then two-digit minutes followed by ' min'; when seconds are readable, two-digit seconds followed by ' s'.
12 h 27 min
